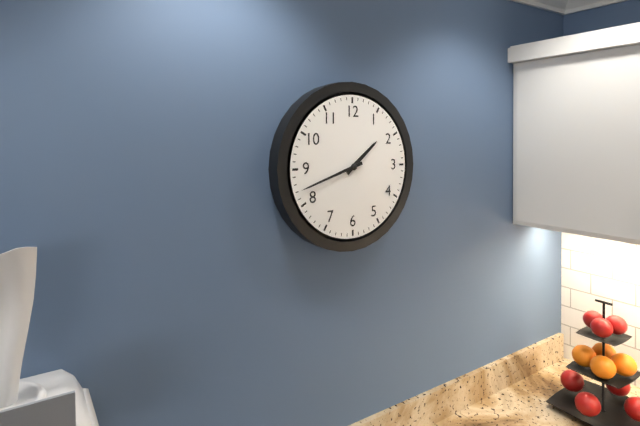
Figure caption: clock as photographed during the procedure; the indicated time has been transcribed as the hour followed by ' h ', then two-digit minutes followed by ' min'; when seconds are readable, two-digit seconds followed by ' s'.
1 h 42 min
